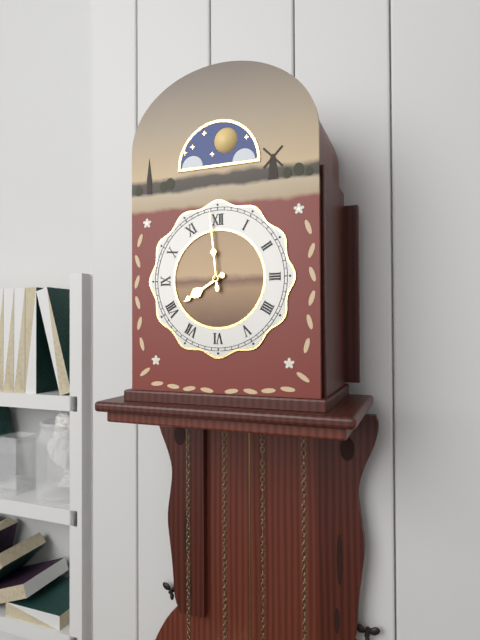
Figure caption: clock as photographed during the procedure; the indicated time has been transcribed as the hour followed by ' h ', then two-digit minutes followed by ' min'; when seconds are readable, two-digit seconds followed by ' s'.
7 h 59 min
